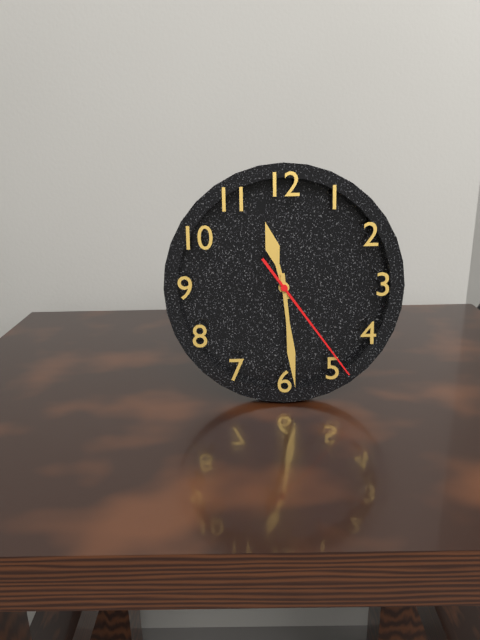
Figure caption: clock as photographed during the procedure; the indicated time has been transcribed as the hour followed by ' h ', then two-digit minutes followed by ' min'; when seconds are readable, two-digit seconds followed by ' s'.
11 h 29 min 24 s
